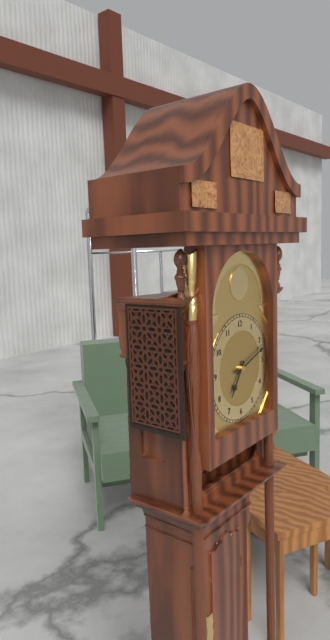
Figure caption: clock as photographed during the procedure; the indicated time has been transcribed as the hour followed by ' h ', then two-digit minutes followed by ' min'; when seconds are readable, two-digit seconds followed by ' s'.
7 h 12 min
